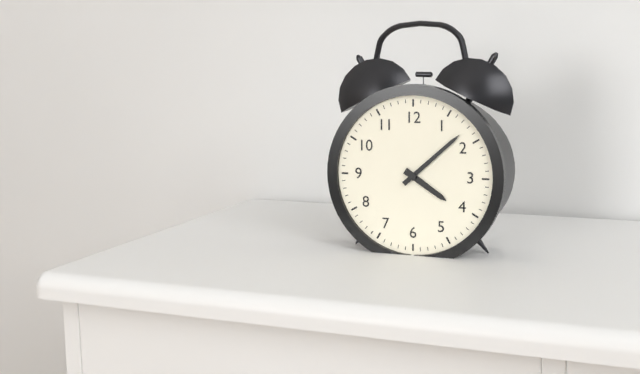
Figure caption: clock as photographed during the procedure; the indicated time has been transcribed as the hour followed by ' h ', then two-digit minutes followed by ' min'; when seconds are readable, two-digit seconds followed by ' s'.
4 h 08 min
